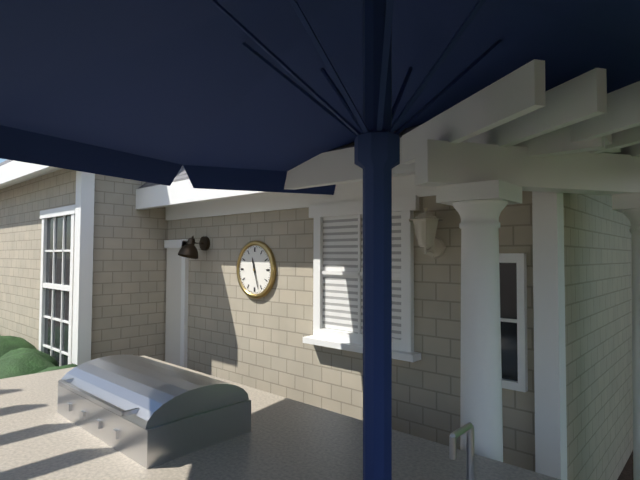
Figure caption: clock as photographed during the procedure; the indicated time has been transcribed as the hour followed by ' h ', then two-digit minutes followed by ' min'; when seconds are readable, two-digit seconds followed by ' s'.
11 h 27 min
